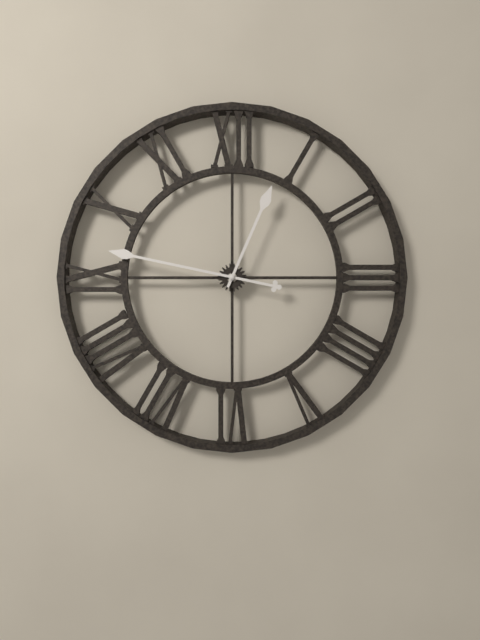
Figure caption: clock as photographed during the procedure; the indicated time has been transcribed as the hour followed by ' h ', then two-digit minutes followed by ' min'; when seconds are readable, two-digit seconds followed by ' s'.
12 h 47 min
